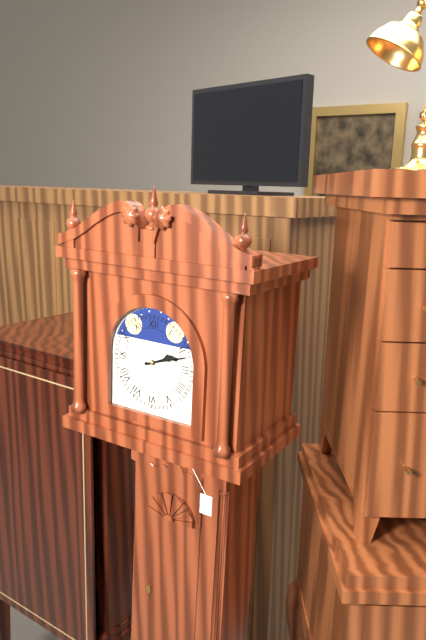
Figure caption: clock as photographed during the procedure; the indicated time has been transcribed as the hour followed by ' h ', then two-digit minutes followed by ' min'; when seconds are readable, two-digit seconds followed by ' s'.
2 h 12 min
